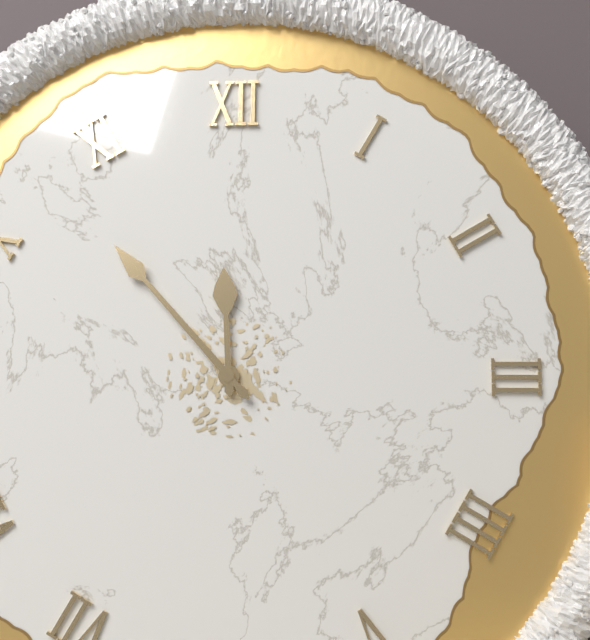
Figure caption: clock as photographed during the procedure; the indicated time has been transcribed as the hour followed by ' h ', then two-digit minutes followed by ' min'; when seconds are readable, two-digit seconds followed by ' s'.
11 h 53 min
